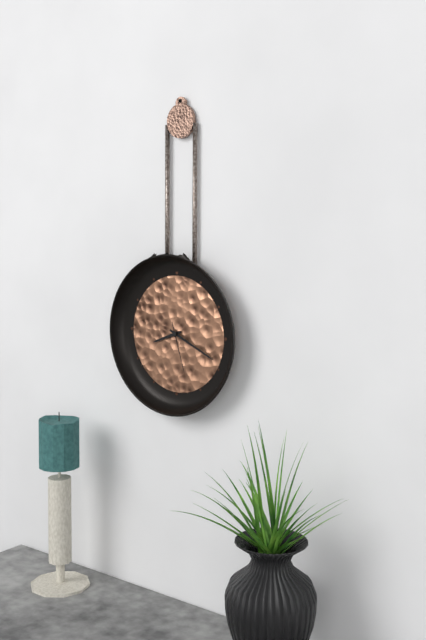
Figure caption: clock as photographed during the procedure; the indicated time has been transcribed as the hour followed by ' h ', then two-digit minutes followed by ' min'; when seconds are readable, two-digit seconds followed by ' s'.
8 h 19 min 27 s
